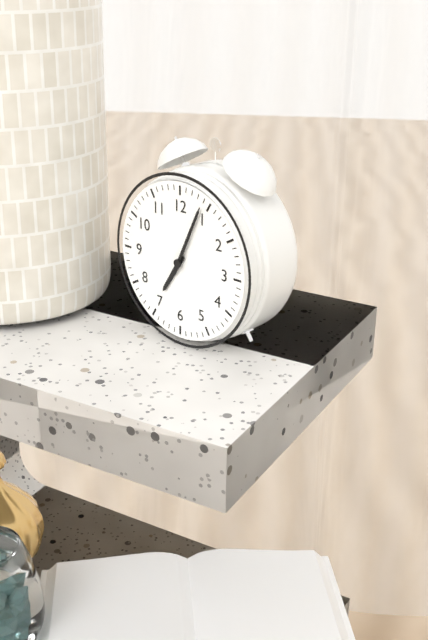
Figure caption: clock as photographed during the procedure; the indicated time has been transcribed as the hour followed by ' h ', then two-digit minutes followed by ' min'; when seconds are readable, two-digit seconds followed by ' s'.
7 h 04 min
